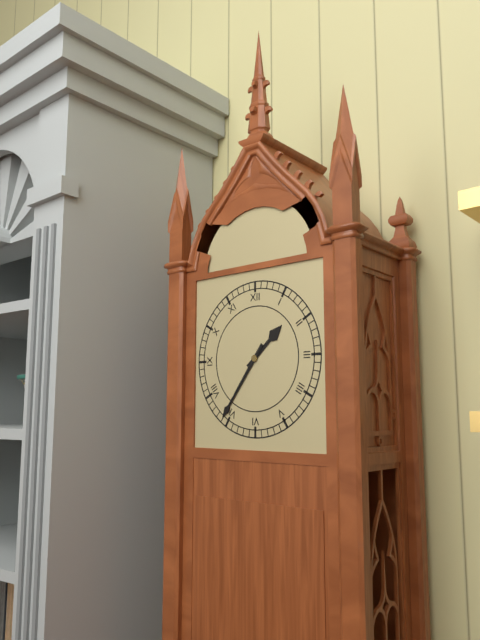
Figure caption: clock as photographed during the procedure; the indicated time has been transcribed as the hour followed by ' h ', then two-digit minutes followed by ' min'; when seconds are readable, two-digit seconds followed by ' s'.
1 h 36 min
